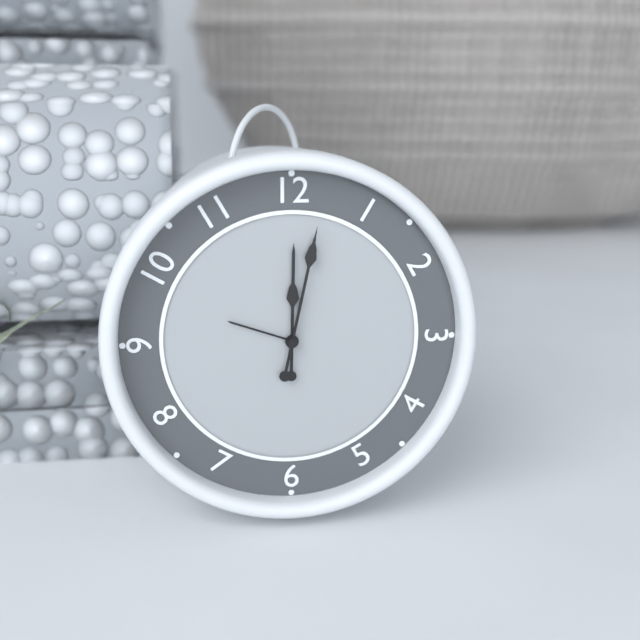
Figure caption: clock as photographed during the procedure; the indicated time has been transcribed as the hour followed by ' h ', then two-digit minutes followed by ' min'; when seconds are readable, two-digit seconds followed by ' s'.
12 h 02 min
